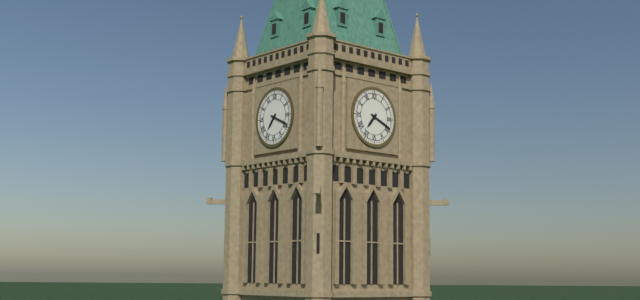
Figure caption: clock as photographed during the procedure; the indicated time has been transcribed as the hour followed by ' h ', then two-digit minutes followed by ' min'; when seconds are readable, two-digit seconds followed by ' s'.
7 h 19 min
